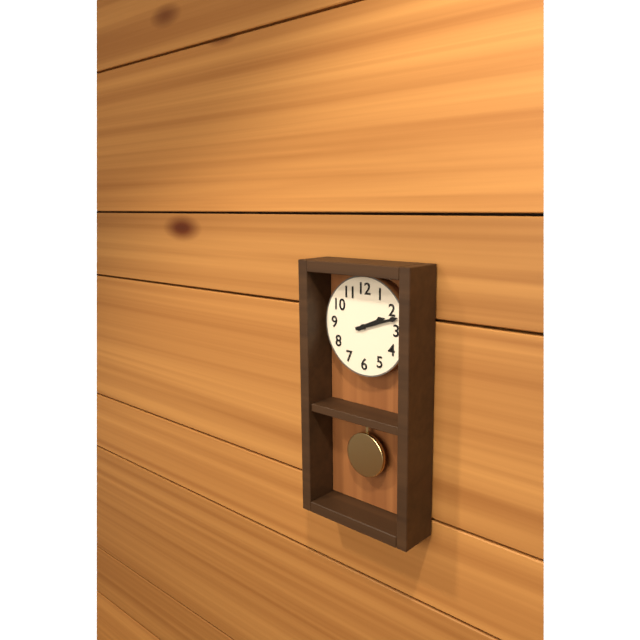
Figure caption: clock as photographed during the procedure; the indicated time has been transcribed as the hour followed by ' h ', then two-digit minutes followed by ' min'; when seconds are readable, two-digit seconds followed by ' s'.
2 h 12 min
